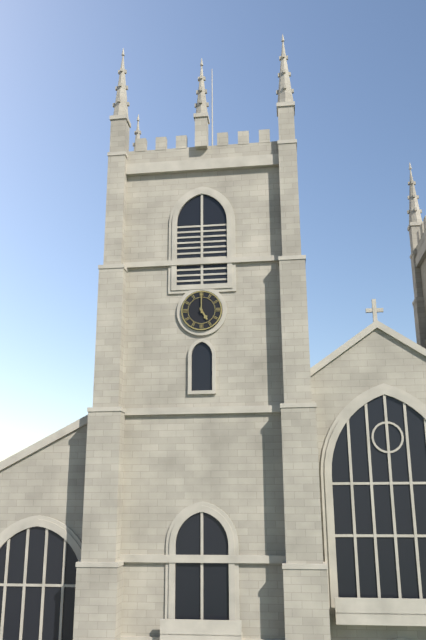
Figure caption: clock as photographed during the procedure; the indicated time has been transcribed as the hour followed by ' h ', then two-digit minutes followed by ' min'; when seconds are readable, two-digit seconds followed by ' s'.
5 h 00 min
